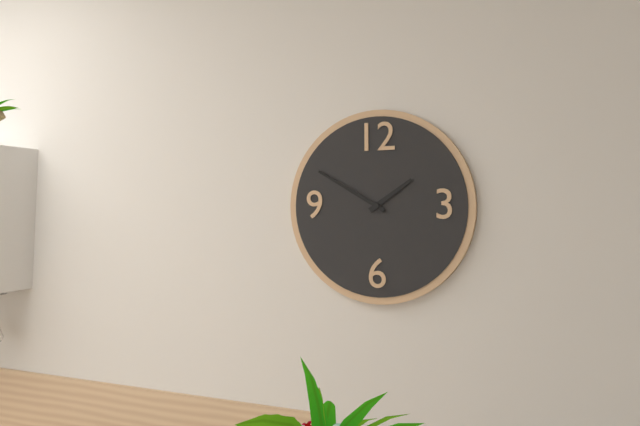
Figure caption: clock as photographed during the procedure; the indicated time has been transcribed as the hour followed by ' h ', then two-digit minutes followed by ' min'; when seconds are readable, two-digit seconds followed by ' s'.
1 h 50 min
